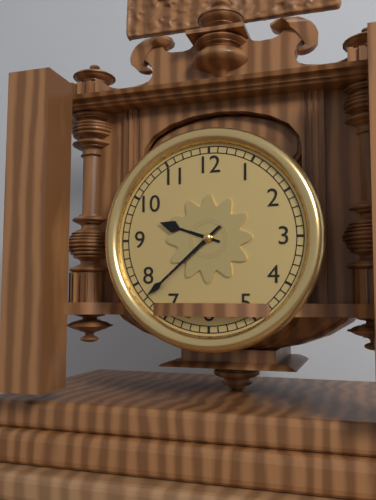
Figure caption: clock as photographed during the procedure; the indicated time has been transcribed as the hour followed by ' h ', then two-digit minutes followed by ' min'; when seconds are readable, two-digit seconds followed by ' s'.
9 h 38 min
